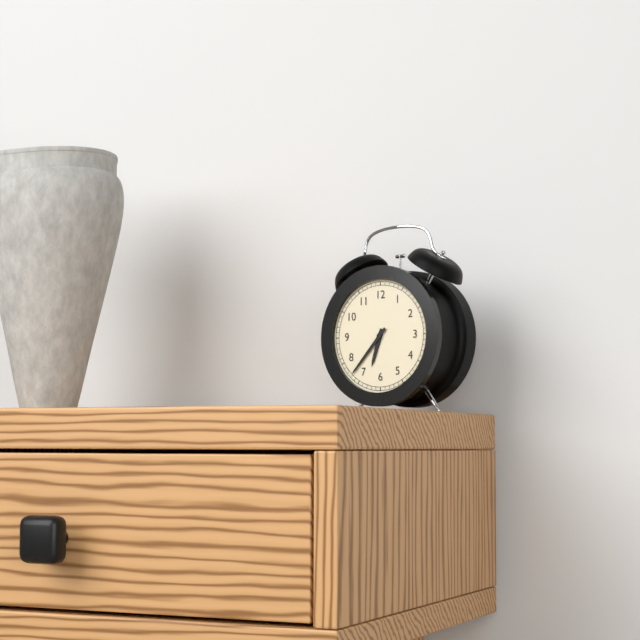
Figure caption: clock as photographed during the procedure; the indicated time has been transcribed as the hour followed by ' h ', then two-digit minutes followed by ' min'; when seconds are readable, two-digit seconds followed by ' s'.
6 h 37 min
